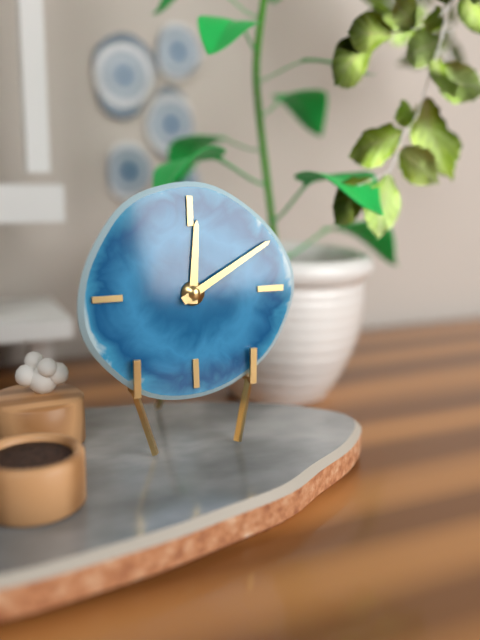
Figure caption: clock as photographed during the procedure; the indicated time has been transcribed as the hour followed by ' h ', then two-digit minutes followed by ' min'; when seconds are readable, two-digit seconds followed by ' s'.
12 h 10 min
